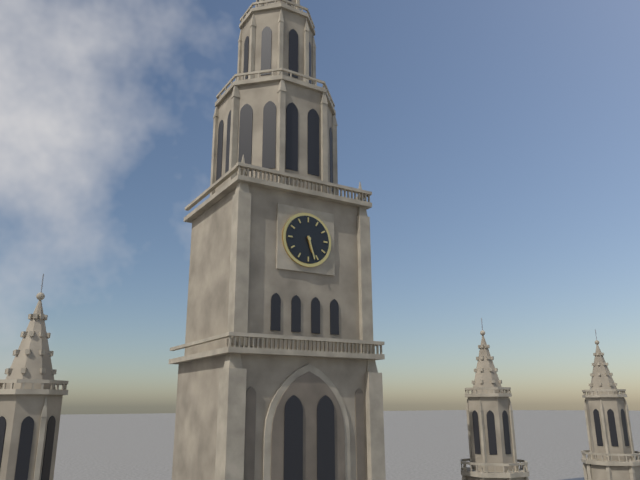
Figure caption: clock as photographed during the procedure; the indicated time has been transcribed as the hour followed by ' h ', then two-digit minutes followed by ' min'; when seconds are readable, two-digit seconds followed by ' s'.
5 h 27 min
